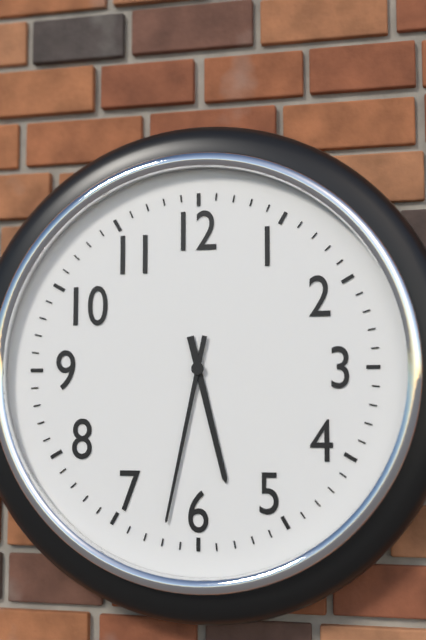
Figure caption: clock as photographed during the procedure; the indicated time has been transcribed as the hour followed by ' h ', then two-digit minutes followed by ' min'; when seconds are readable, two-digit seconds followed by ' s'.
5 h 32 min
